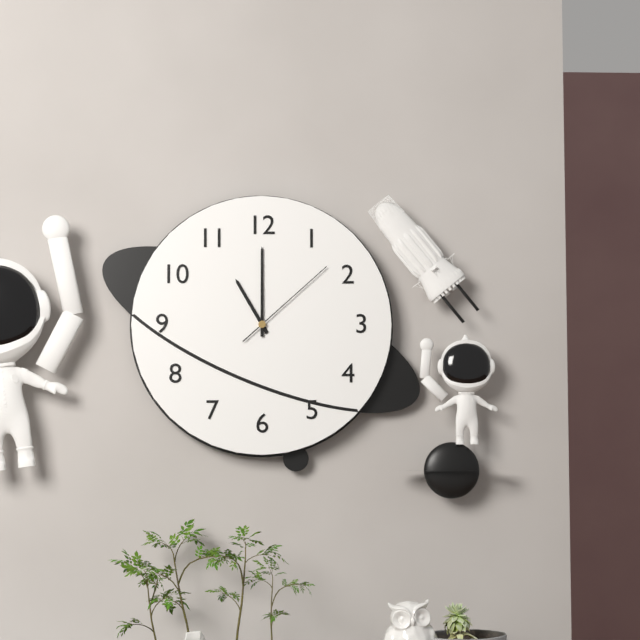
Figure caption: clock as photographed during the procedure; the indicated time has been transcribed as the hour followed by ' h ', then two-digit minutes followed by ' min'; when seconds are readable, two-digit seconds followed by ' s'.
11 h 00 min 08 s
